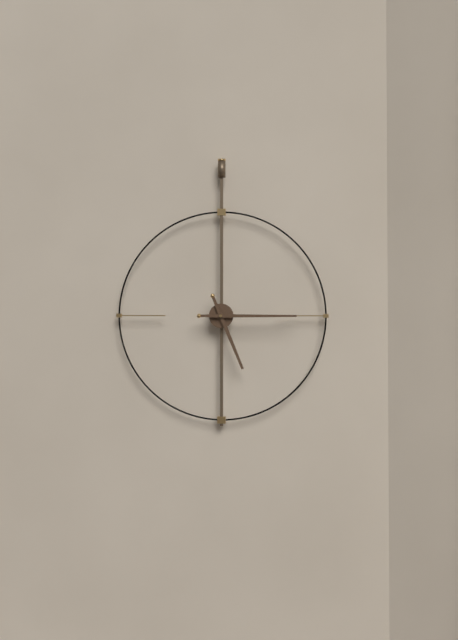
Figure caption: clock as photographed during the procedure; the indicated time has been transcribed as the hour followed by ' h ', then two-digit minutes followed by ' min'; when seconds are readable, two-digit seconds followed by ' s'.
5 h 15 min
